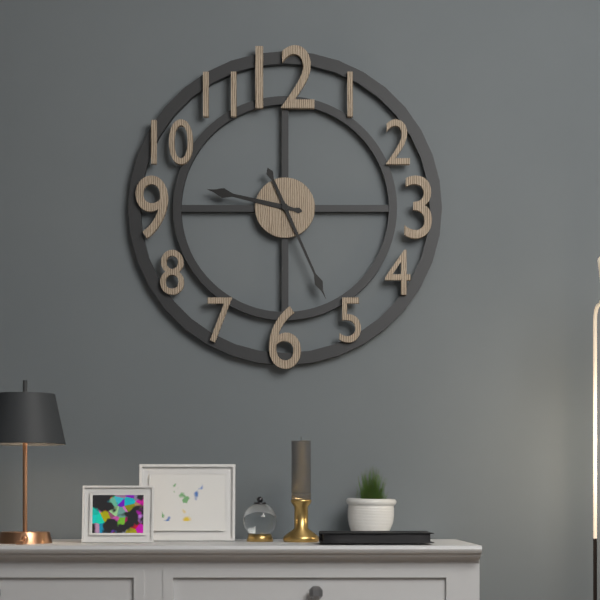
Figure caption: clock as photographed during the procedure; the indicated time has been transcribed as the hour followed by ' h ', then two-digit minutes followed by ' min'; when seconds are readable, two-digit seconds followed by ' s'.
9 h 26 min
